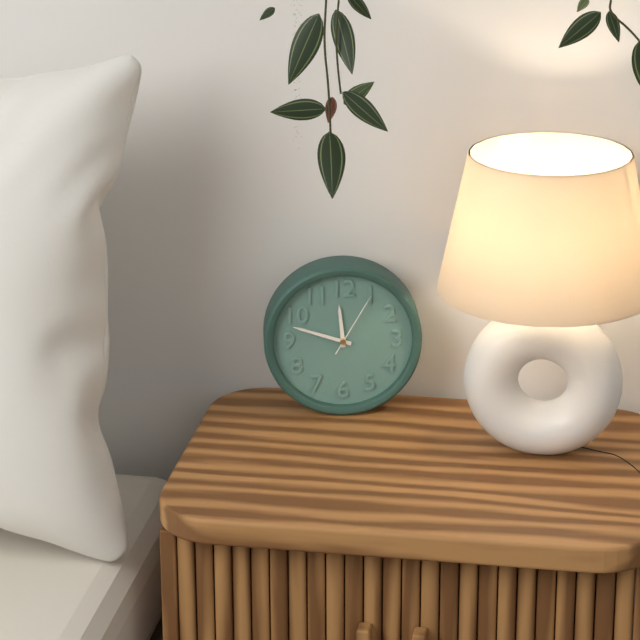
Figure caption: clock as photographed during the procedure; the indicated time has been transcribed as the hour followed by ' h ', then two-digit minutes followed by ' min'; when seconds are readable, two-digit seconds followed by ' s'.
11 h 48 min 05 s
